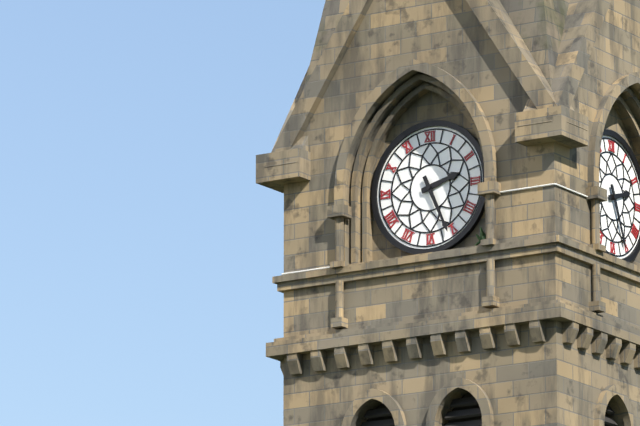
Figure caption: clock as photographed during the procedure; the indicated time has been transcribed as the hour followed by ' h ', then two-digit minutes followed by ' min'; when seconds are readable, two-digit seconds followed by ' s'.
2 h 26 min
